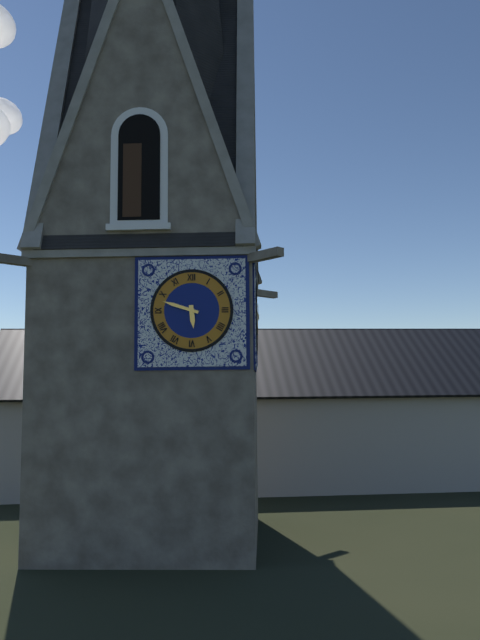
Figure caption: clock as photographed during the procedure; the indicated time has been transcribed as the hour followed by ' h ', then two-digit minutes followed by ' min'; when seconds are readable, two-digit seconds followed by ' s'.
5 h 48 min
